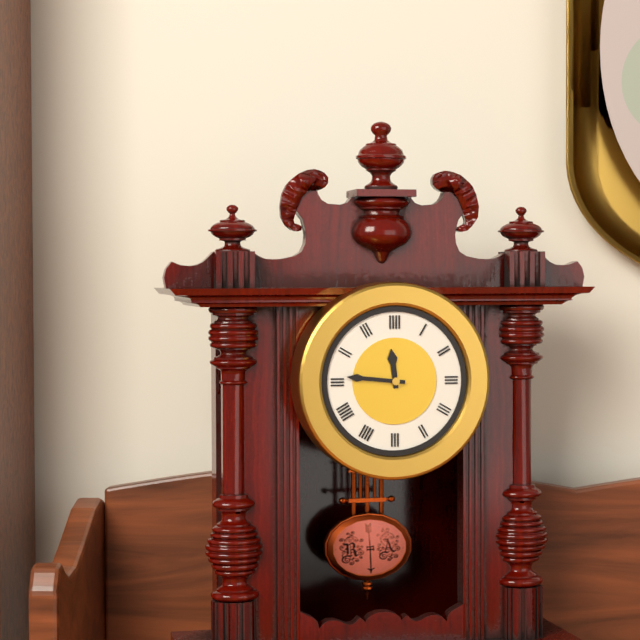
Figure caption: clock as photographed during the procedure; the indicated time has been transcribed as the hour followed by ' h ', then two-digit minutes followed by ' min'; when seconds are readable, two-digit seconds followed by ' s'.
11 h 46 min
